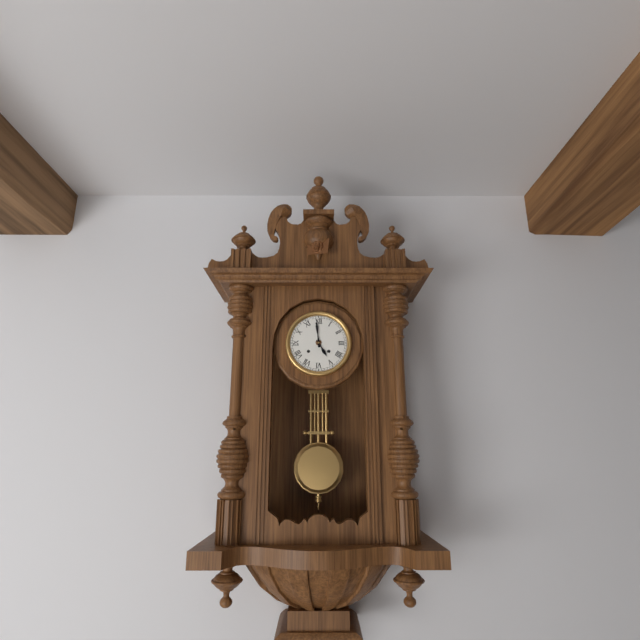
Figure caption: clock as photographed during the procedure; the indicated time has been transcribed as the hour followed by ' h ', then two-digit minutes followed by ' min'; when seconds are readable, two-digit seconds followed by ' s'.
4 h 59 min
